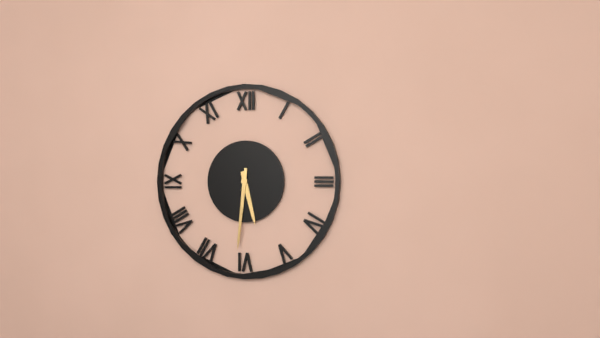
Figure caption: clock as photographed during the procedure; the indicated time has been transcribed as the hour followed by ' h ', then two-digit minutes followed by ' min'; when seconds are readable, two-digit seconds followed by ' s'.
5 h 31 min
